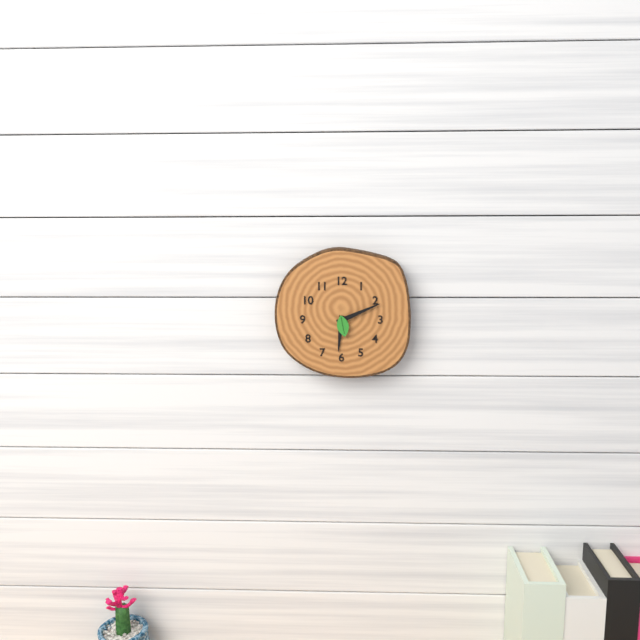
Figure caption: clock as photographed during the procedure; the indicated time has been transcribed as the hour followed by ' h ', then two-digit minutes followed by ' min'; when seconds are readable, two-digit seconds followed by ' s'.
6 h 11 min
